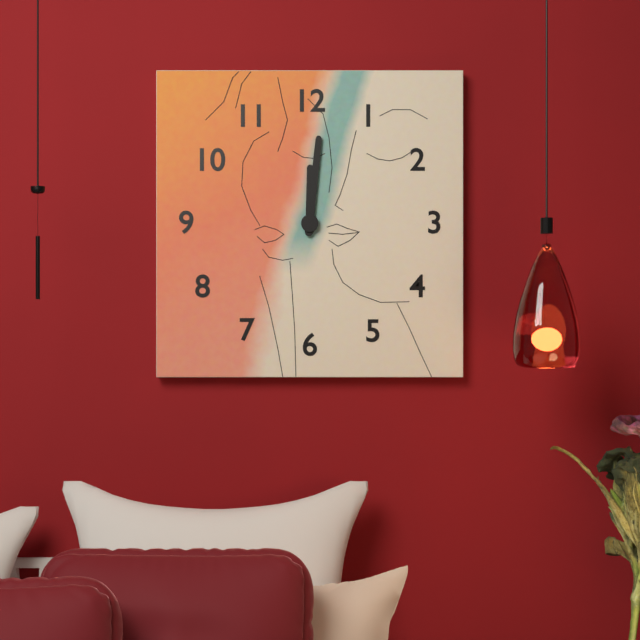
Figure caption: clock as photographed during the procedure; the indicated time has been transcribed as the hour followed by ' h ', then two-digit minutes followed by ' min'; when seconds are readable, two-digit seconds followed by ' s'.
12 h 01 min
